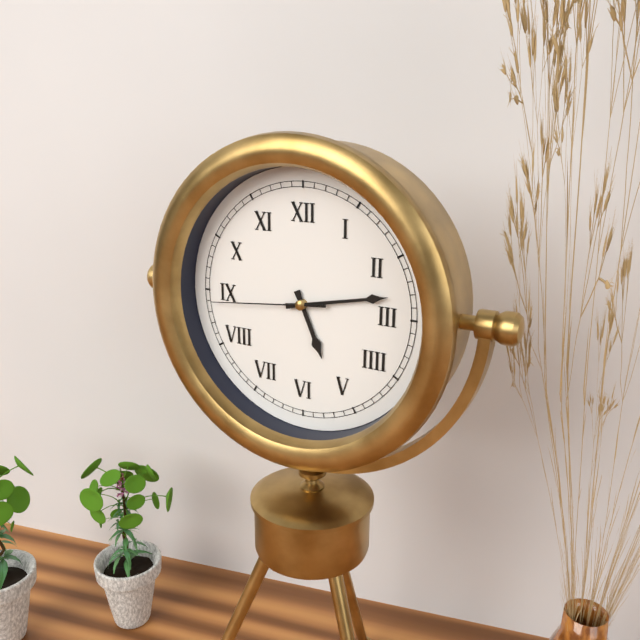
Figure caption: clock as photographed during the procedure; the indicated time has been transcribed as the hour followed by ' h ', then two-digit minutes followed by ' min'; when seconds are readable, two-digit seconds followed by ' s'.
5 h 13 min 44 s
